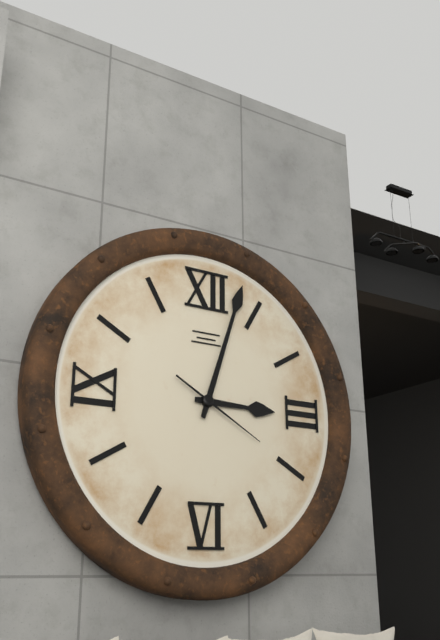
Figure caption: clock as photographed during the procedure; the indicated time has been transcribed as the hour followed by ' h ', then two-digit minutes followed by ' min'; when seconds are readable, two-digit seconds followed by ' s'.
3 h 03 min 20 s
